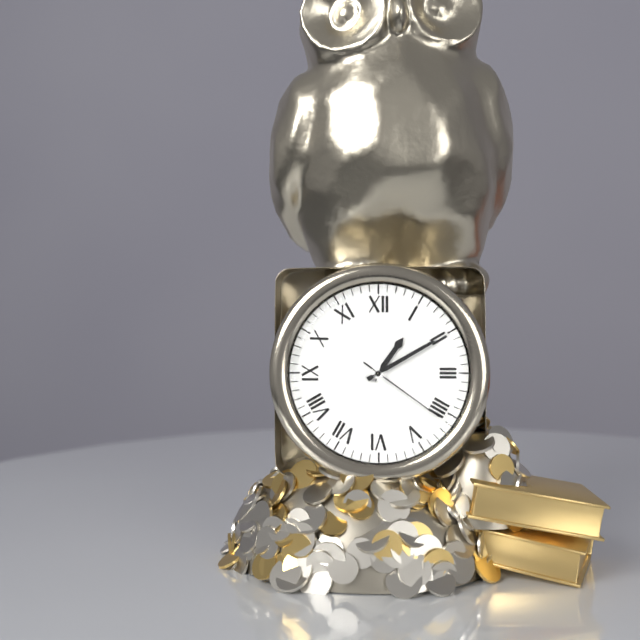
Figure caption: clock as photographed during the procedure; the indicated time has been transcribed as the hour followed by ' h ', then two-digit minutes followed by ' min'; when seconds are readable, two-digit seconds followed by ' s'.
1 h 10 min 21 s
